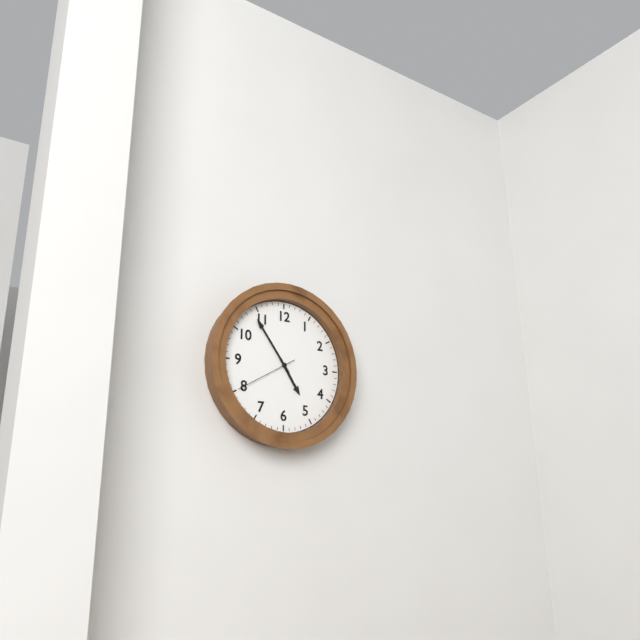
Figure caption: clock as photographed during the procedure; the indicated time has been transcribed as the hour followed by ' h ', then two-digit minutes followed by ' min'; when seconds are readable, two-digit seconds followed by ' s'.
4 h 54 min 40 s
